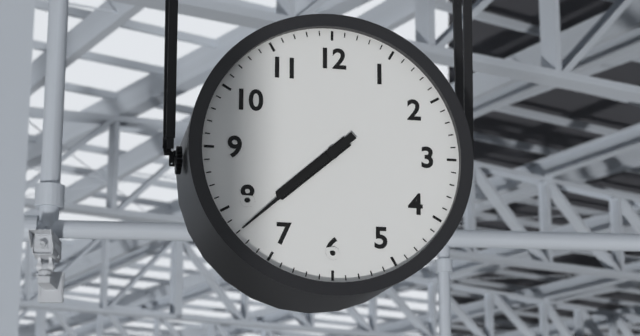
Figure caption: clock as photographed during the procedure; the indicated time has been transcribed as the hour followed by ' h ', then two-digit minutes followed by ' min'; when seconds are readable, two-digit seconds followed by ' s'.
7 h 38 min
